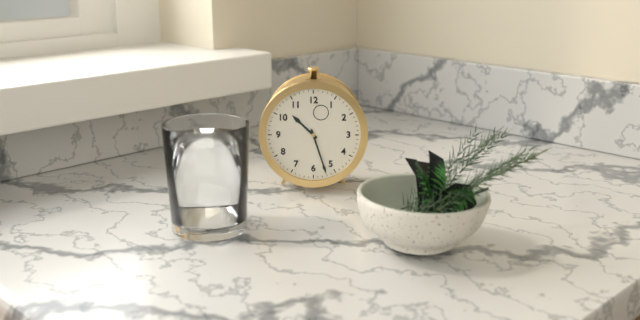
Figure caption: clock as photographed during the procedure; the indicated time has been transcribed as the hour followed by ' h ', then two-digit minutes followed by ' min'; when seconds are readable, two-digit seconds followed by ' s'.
10 h 27 min
